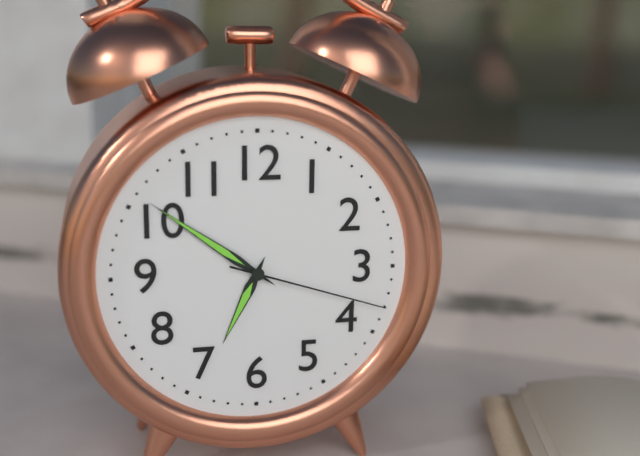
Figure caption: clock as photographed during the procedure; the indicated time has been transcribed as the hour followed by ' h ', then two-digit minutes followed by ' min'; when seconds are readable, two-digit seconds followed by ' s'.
6 h 51 min 18 s
